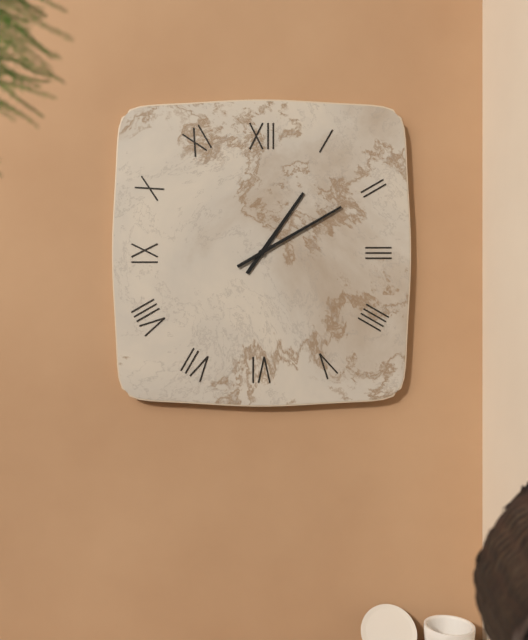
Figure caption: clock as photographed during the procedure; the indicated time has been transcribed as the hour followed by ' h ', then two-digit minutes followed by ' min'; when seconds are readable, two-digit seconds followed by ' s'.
1 h 10 min
